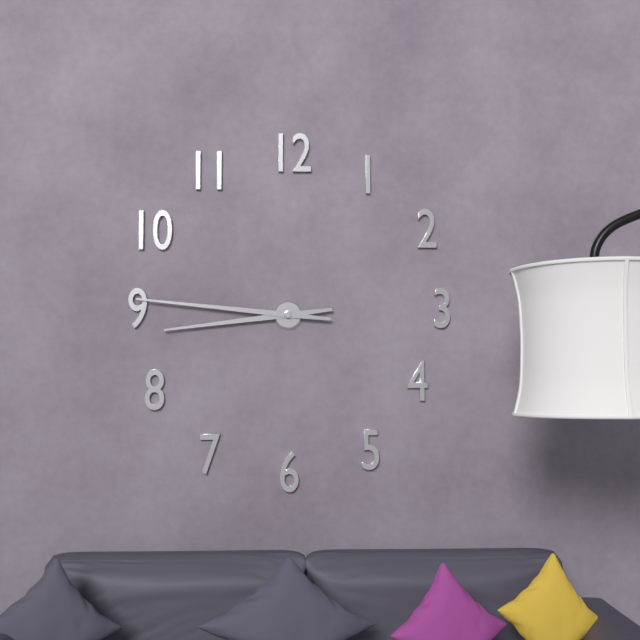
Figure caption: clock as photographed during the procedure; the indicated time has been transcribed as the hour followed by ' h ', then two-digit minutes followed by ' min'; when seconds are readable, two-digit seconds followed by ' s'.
8 h 46 min
